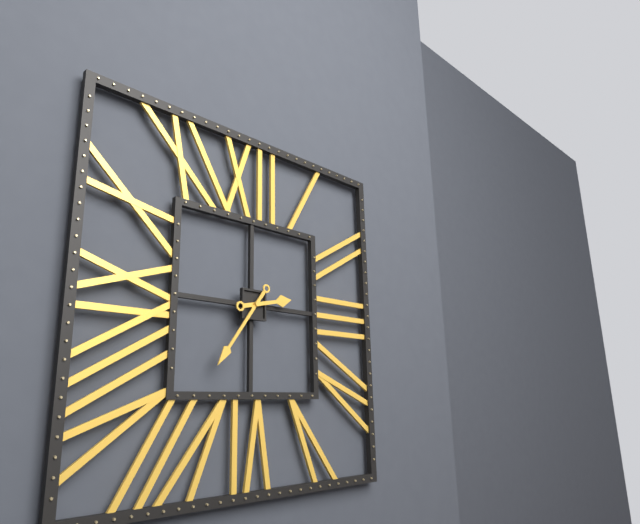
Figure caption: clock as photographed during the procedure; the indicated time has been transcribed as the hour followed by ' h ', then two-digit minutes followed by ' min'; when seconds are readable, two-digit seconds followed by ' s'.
2 h 36 min
